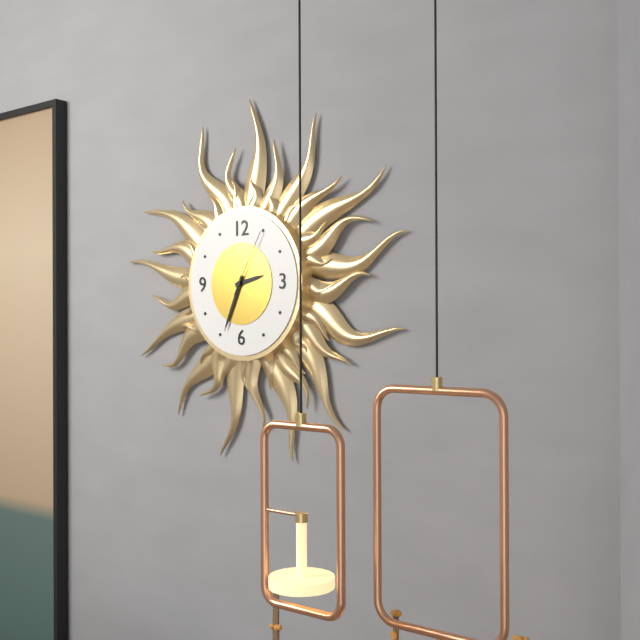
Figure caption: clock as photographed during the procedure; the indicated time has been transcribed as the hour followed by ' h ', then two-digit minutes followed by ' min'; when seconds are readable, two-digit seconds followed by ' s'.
2 h 34 min 05 s
